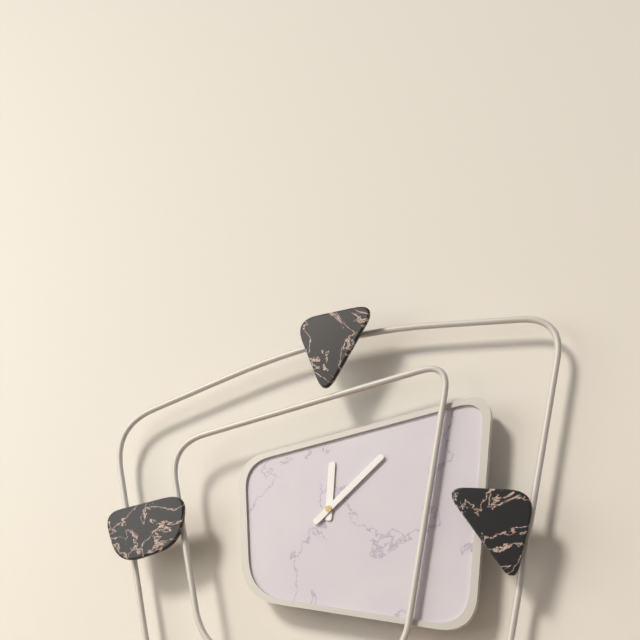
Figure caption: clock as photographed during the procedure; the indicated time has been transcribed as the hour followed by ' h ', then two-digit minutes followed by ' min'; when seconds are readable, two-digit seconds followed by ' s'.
12 h 08 min
